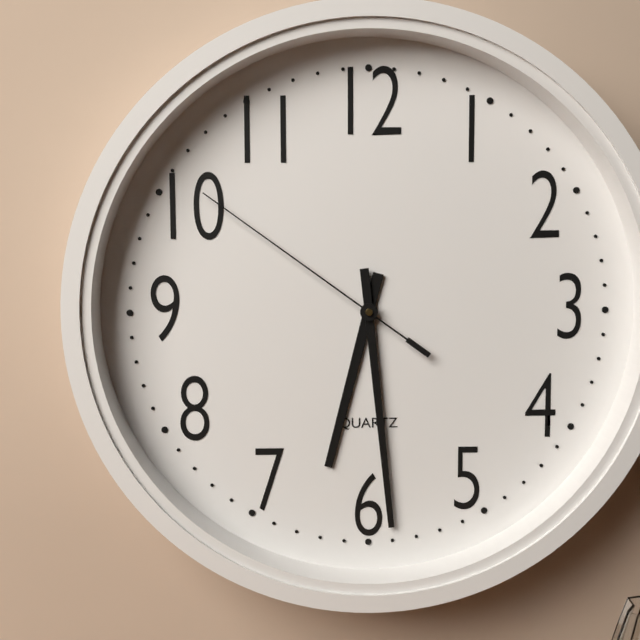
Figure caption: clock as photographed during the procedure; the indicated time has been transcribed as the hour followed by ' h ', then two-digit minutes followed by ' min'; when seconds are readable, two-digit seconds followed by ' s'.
6 h 29 min 51 s
